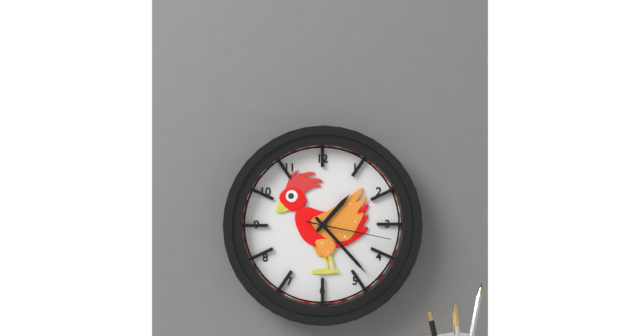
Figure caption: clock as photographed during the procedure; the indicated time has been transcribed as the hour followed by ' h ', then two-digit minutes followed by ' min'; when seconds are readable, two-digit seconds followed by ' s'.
1 h 23 min 17 s
